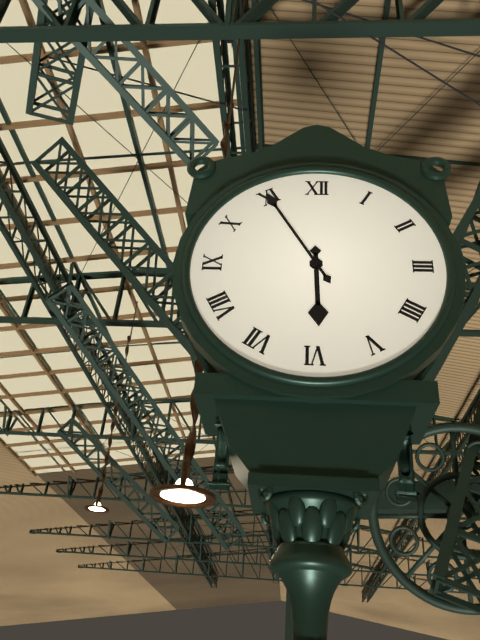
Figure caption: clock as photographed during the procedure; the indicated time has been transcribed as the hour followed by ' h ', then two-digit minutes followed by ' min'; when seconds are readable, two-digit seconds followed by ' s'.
5 h 55 min
